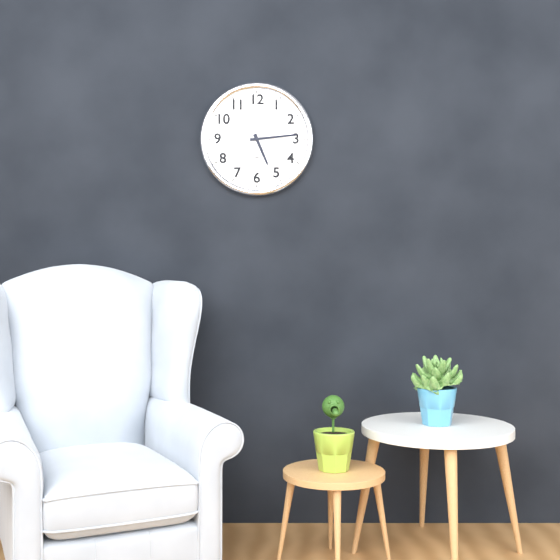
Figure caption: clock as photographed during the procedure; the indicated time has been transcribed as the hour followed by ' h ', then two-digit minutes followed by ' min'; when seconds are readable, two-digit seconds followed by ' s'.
5 h 14 min
